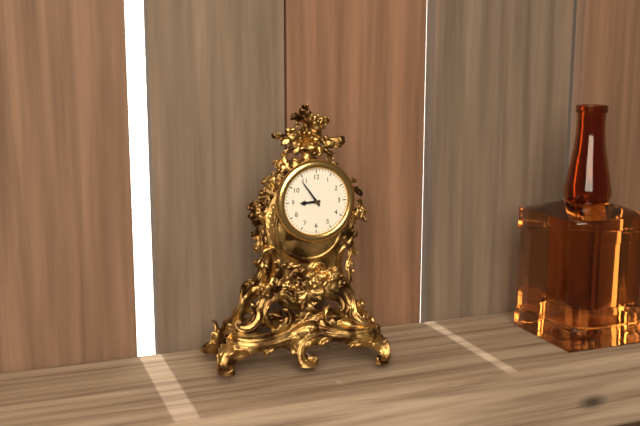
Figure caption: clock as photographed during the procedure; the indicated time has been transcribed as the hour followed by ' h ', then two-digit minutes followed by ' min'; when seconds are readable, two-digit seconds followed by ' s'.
8 h 54 min
